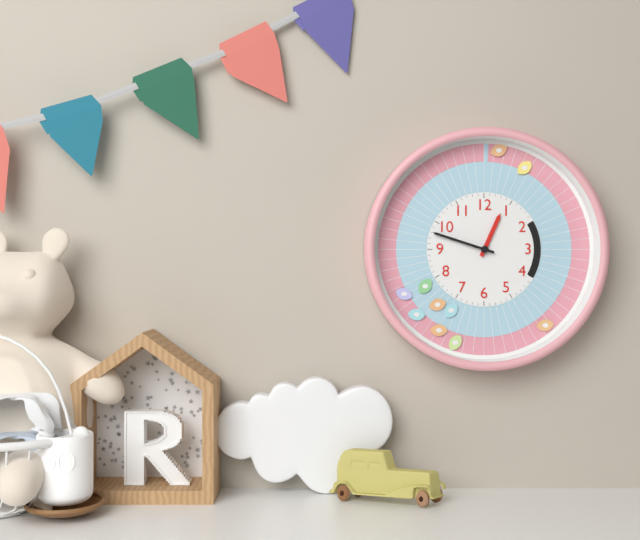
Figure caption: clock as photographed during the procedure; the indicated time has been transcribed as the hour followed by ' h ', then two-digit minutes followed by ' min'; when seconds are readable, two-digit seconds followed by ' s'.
12 h 48 min
